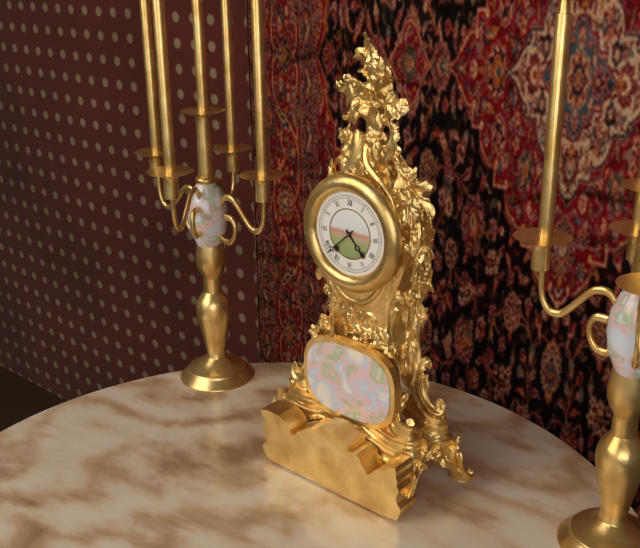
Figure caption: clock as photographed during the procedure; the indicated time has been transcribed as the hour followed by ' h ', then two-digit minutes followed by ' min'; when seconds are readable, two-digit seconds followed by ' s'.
4 h 38 min
